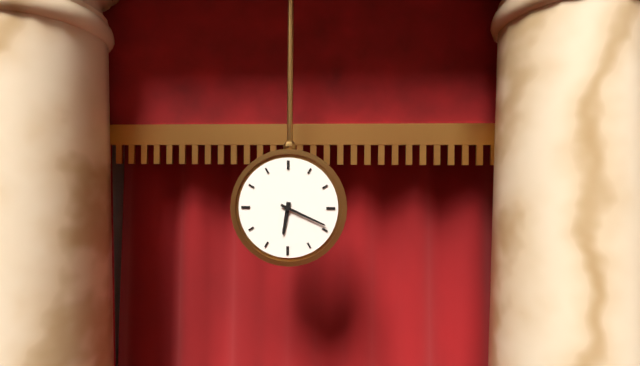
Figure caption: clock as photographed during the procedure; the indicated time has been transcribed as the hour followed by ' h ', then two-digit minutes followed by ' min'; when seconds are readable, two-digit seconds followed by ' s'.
6 h 19 min
